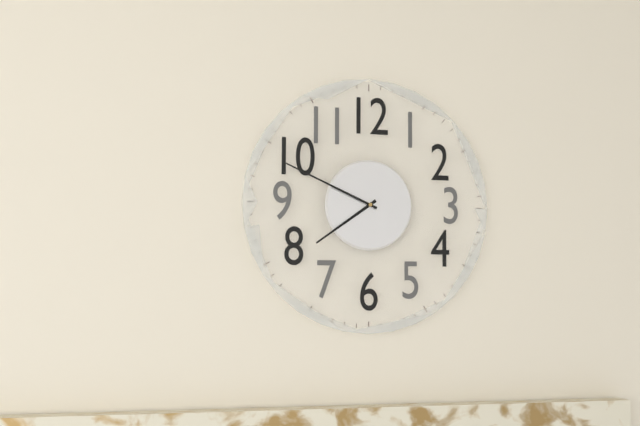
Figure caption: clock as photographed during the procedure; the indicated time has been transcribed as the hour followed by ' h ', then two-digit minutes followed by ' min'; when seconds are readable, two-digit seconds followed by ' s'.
7 h 49 min
